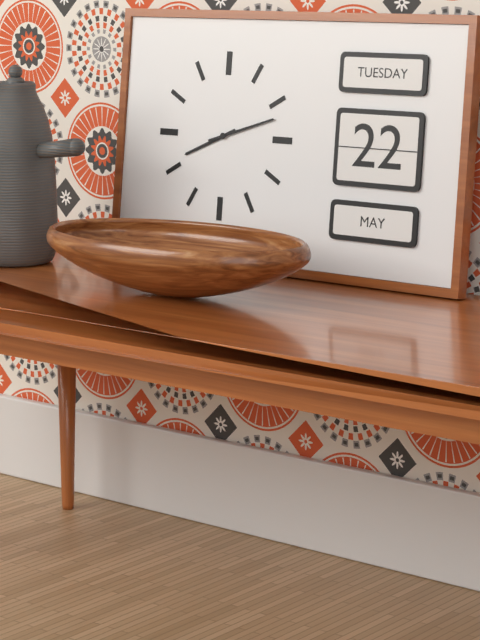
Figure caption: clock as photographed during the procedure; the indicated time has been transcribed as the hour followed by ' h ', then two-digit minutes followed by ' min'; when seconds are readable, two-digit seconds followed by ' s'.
8 h 12 min
